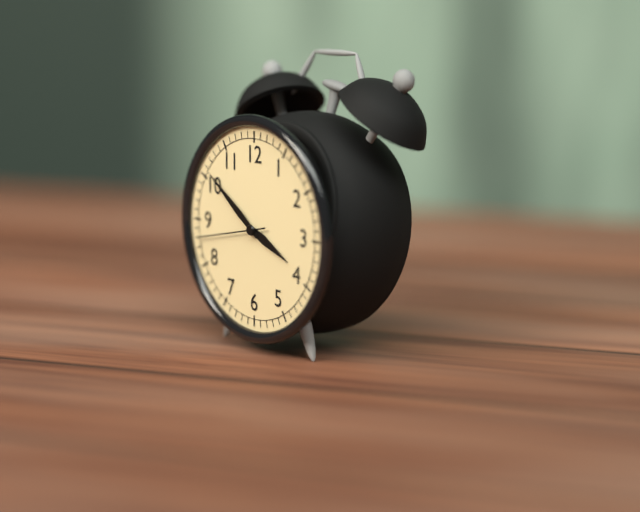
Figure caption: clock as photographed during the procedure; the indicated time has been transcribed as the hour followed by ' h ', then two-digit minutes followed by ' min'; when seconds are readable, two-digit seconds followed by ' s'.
3 h 51 min 43 s
